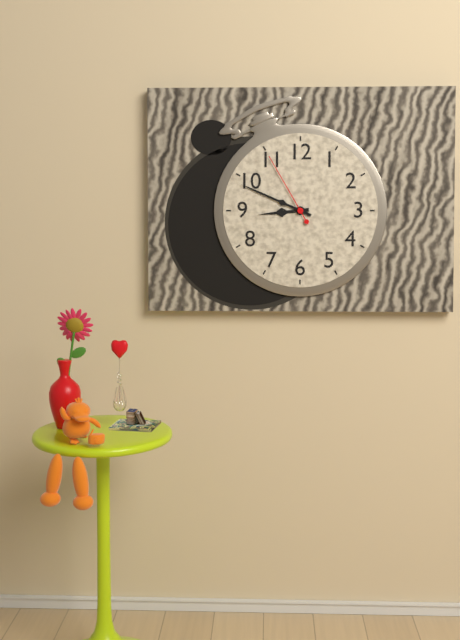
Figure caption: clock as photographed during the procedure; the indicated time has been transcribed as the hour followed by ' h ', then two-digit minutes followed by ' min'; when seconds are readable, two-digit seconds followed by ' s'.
8 h 49 min 55 s
